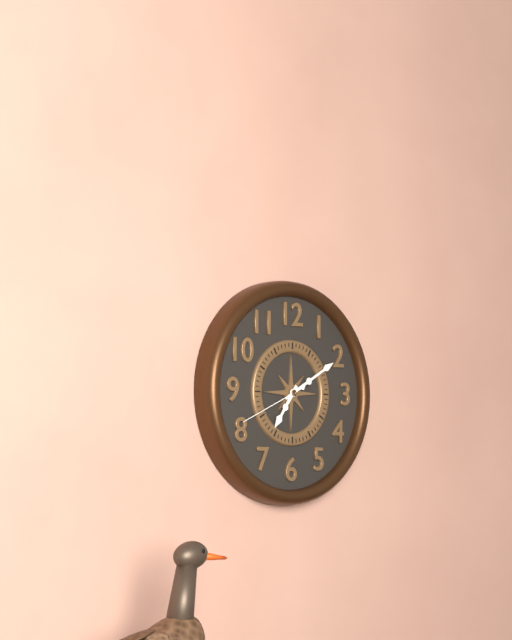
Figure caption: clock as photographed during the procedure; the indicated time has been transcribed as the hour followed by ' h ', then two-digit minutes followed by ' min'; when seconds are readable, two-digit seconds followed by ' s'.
7 h 10 min 41 s
